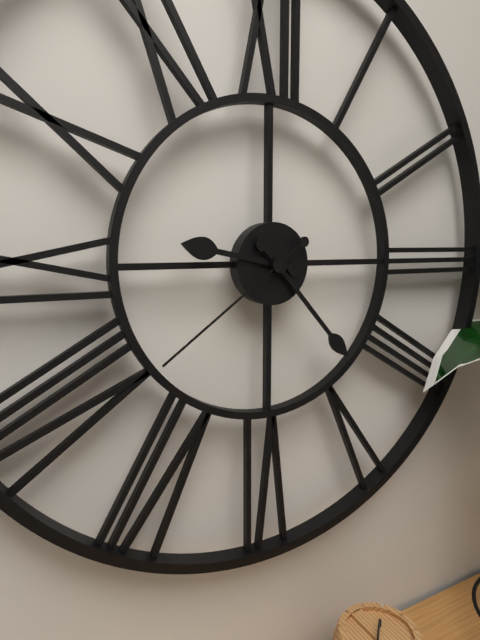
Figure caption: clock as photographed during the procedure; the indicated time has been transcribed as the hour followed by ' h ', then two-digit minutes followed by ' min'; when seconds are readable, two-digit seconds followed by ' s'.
9 h 23 min 39 s
